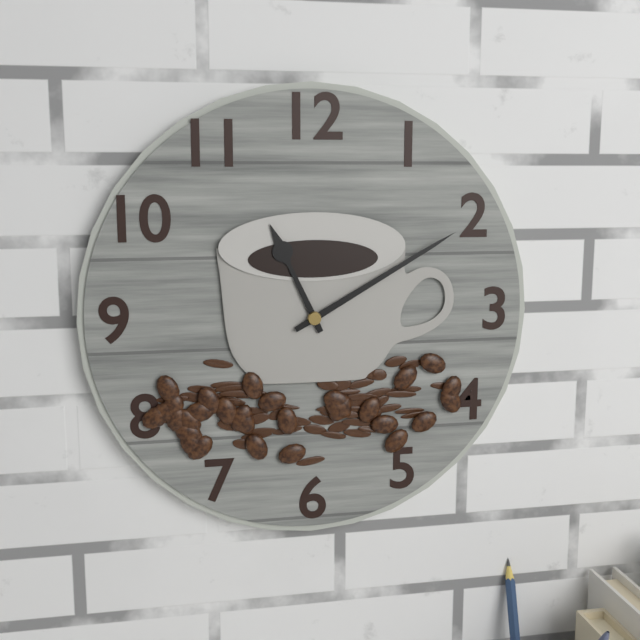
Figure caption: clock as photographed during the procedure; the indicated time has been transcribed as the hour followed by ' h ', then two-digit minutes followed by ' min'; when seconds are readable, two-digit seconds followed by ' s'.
11 h 10 min
